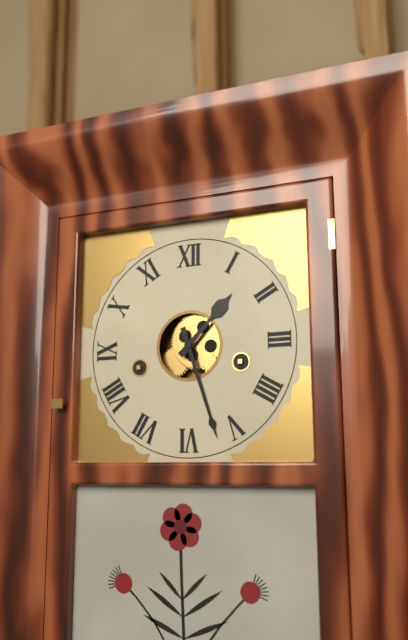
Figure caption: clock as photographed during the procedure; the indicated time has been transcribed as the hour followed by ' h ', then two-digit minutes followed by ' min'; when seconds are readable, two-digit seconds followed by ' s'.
1 h 27 min
